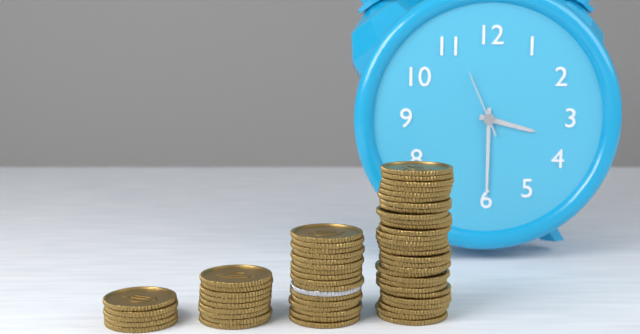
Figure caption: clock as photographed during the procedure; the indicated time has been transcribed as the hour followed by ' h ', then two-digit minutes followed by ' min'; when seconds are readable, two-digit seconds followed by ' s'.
3 h 30 min 56 s
